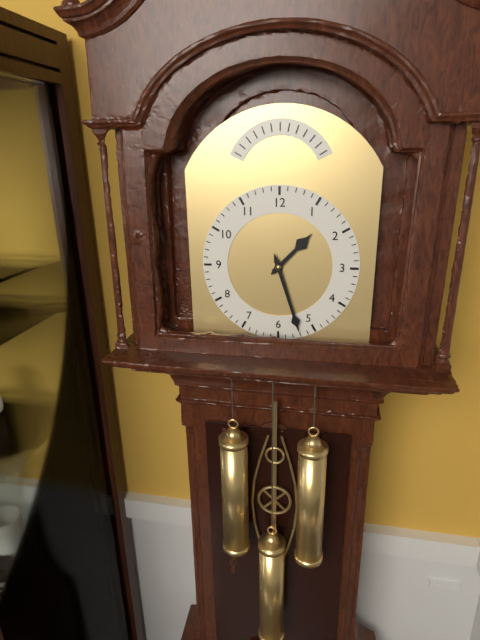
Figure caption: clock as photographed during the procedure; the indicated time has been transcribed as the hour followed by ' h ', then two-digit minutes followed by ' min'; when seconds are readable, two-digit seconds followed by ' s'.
1 h 27 min
